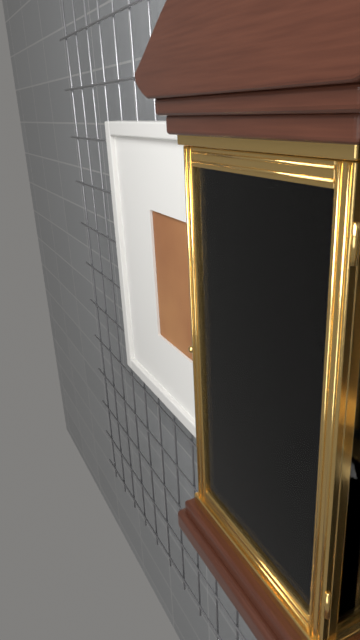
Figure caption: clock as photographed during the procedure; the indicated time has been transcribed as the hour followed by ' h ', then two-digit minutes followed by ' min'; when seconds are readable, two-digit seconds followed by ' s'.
2 h 15 min
